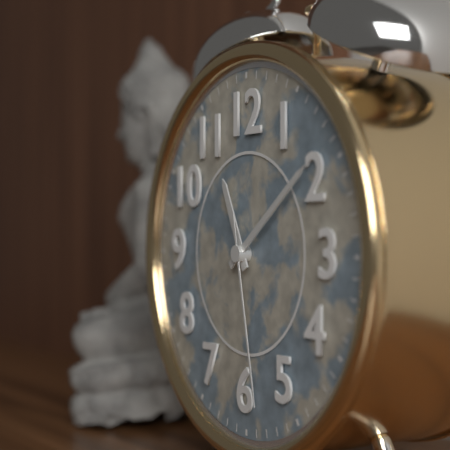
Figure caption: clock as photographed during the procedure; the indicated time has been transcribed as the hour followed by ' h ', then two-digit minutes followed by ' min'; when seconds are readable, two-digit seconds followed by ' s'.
11 h 09 min 28 s
